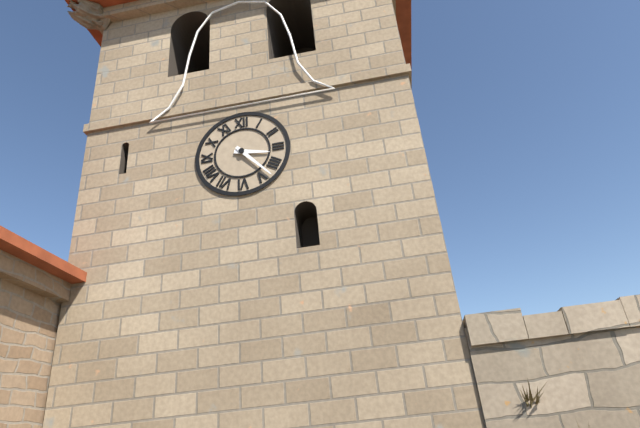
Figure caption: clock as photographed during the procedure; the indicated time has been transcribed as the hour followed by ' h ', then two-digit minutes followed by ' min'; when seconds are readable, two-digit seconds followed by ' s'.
3 h 23 min
